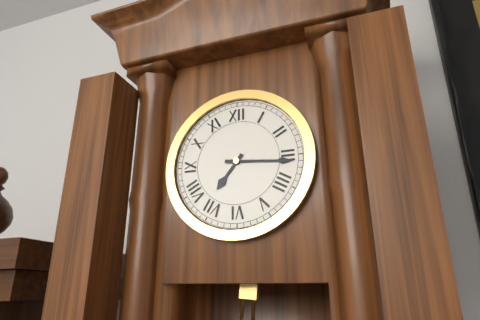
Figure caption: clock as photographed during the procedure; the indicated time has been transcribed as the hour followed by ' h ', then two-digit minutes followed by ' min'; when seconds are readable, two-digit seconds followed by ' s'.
7 h 16 min
